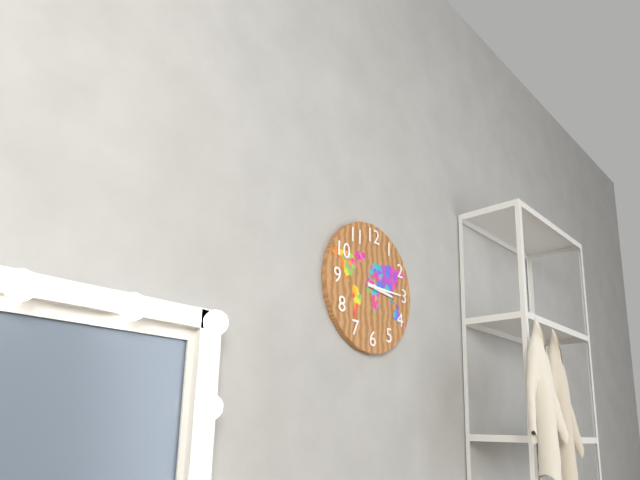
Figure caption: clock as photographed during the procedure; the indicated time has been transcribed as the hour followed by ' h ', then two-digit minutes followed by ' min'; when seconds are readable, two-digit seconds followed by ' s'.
3 h 15 min
